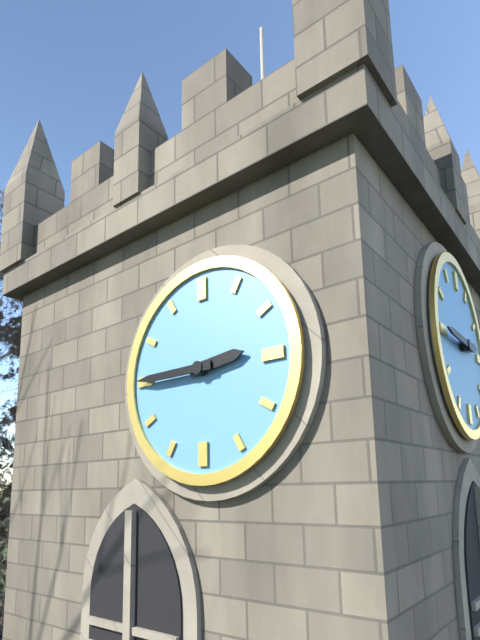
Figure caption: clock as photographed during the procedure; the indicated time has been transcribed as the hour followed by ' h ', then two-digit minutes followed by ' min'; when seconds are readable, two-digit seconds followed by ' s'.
2 h 45 min
